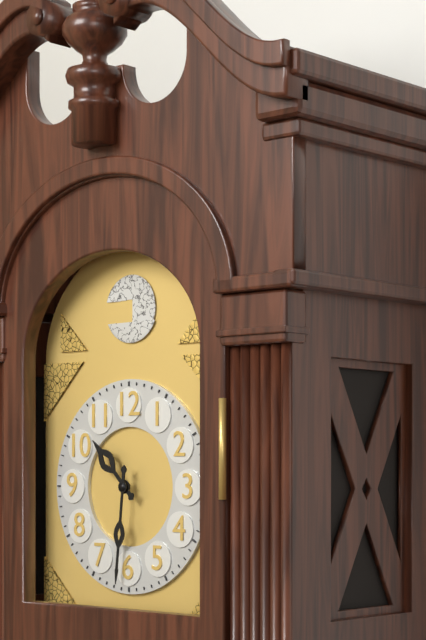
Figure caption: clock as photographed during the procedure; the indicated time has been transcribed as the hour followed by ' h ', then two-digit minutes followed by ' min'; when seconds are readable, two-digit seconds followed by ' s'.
10 h 31 min
